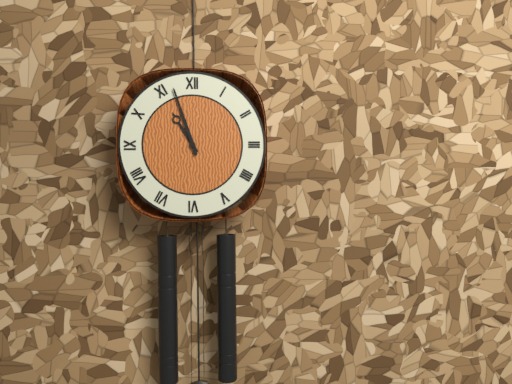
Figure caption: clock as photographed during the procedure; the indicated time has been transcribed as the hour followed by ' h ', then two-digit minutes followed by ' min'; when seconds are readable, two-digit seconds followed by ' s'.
10 h 57 min
